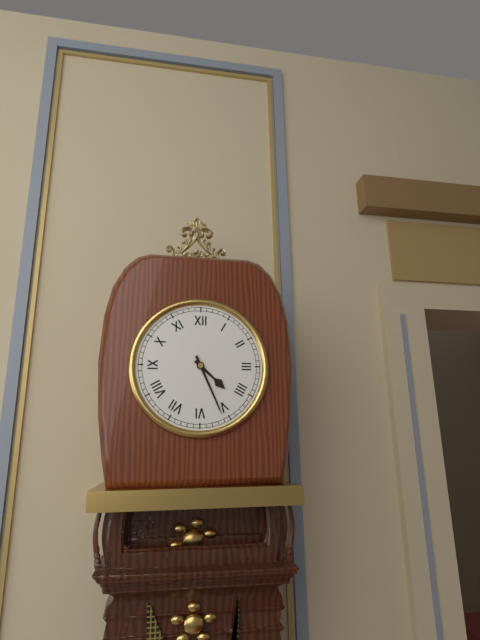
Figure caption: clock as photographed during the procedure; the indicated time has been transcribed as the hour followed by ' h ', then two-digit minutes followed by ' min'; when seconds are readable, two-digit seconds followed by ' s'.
4 h 26 min
